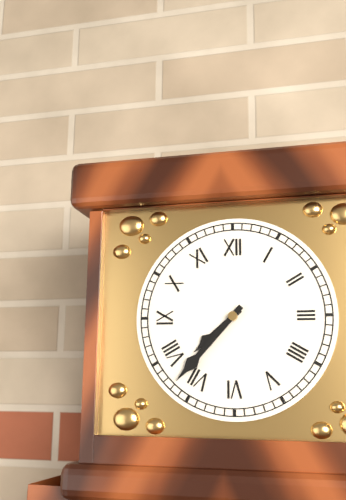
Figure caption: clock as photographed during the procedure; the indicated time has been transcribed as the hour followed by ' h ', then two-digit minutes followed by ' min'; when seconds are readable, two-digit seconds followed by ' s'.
7 h 37 min
